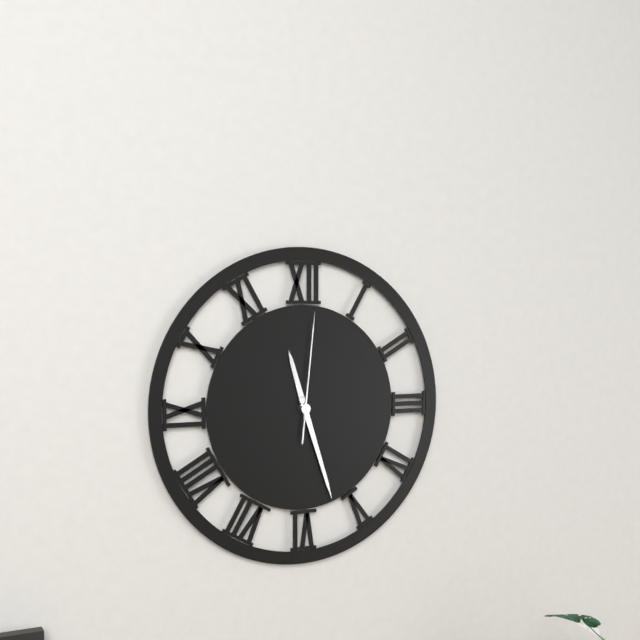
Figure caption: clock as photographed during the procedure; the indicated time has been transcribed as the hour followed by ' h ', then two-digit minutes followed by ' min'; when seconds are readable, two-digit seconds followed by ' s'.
11 h 27 min 01 s
